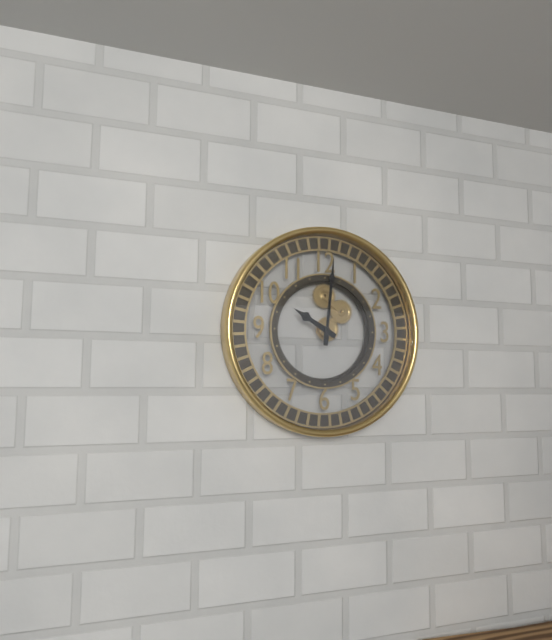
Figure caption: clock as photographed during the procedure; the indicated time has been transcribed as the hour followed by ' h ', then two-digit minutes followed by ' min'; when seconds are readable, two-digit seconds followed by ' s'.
10 h 01 min
